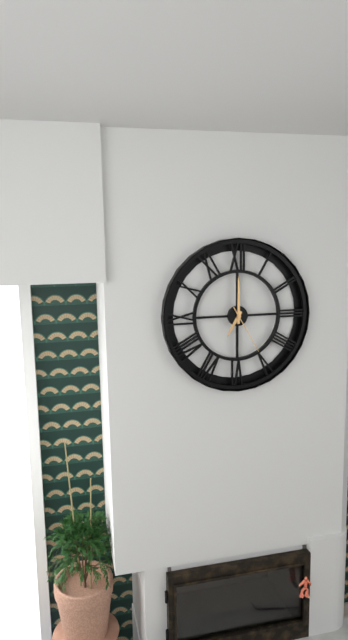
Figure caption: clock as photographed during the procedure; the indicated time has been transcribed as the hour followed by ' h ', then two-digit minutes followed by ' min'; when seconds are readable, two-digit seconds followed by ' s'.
7 h 00 min 25 s
